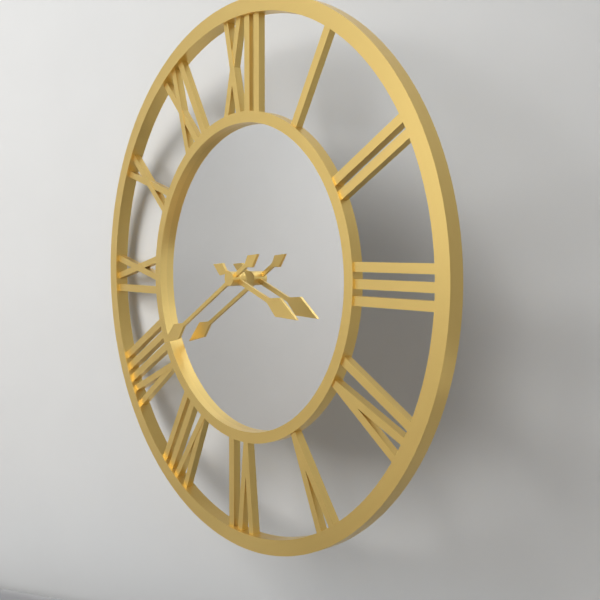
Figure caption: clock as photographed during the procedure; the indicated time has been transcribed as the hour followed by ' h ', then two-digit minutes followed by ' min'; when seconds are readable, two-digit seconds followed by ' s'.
3 h 40 min
